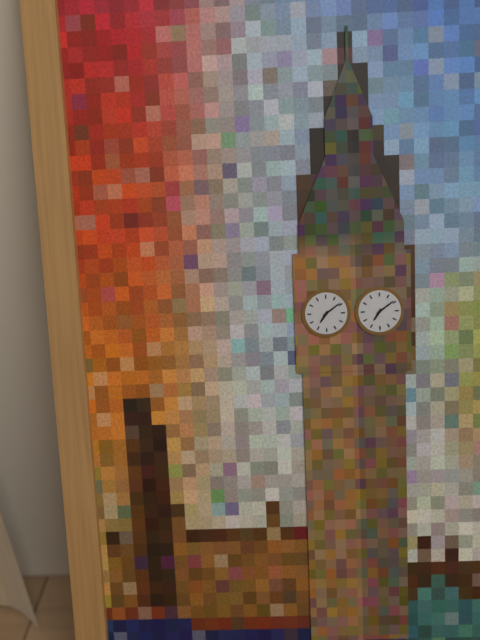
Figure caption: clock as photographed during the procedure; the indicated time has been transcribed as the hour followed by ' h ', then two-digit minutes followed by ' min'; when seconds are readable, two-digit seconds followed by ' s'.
7 h 09 min
